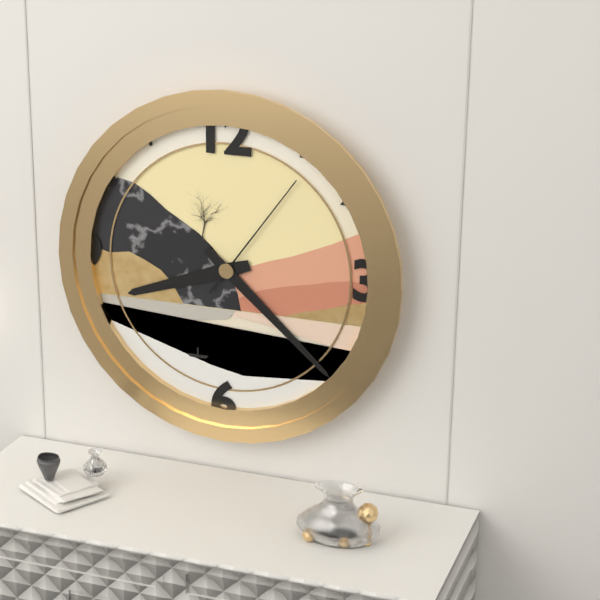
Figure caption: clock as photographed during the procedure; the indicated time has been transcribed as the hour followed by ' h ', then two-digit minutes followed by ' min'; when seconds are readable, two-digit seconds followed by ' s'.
8 h 22 min 06 s
